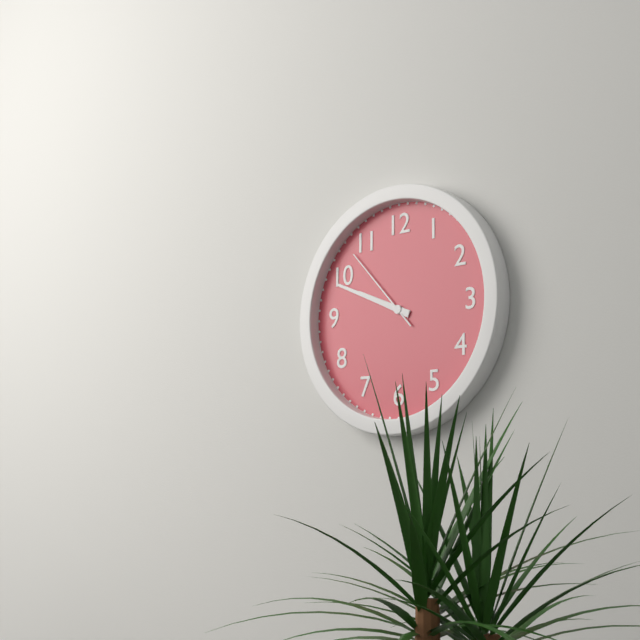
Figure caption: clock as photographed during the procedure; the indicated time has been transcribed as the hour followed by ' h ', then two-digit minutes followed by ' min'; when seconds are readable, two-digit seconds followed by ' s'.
9 h 49 min 53 s
